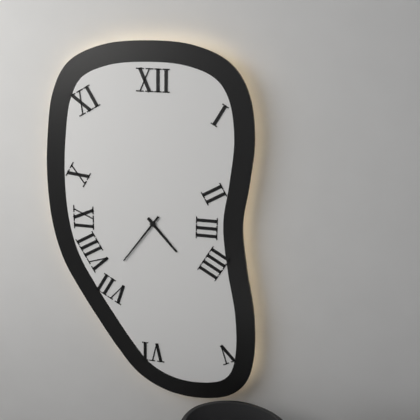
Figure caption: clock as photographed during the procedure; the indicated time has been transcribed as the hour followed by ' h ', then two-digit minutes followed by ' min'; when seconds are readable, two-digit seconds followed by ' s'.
4 h 36 min
